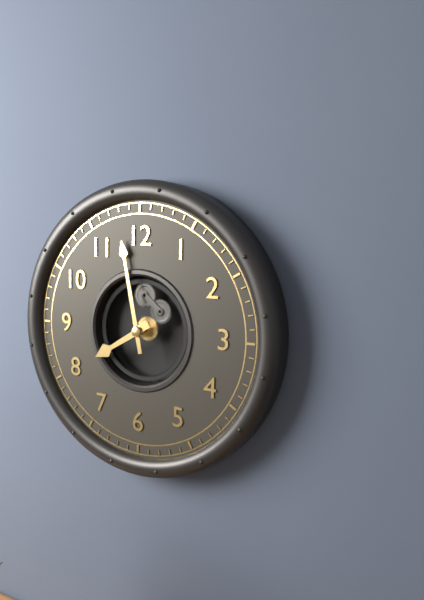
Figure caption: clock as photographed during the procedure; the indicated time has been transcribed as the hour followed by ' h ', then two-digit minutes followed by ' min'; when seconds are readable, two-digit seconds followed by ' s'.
7 h 58 min
